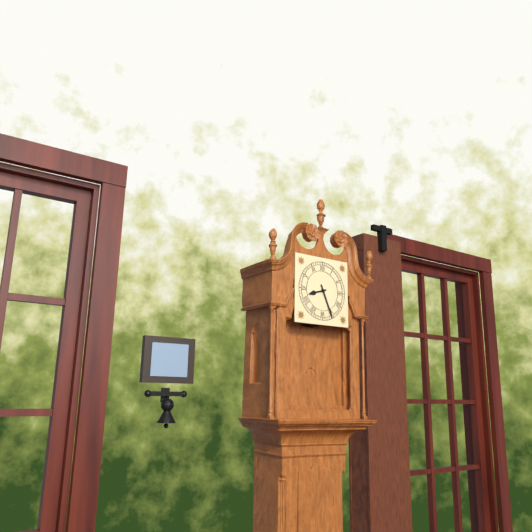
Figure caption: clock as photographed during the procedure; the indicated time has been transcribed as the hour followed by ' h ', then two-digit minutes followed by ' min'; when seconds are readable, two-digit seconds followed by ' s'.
8 h 26 min
